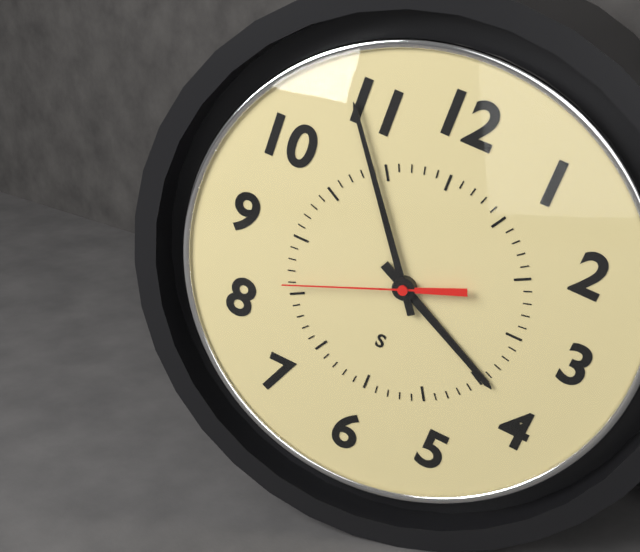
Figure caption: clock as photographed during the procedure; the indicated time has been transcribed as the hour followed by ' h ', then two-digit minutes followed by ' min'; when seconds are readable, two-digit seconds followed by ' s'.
3 h 54 min 41 s
